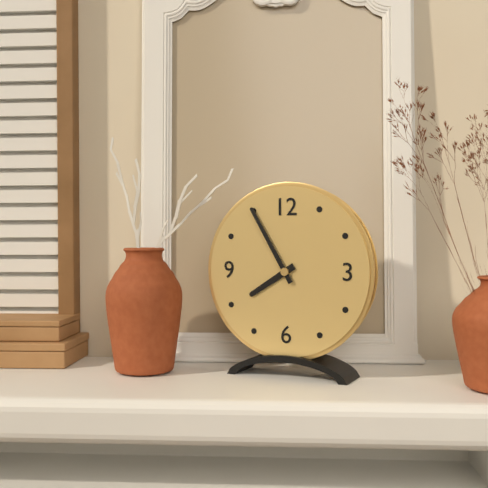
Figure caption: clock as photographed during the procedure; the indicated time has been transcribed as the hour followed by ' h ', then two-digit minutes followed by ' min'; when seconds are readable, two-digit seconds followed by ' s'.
7 h 55 min
